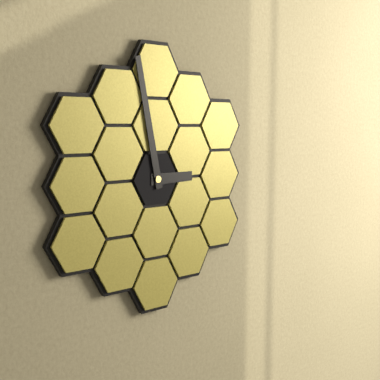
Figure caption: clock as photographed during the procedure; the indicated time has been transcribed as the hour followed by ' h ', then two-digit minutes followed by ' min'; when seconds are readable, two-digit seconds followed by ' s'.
2 h 58 min
